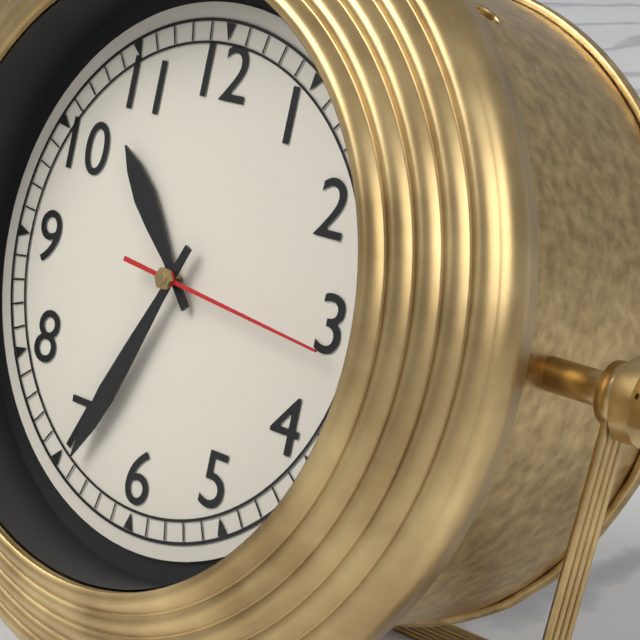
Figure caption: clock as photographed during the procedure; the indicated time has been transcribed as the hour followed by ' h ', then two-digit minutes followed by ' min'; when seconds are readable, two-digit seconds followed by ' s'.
10 h 34 min 16 s
